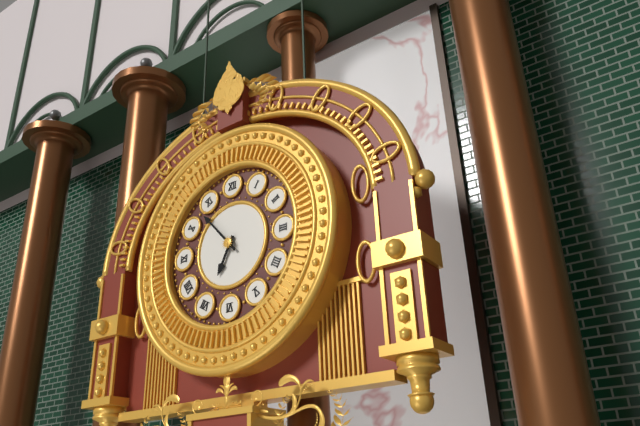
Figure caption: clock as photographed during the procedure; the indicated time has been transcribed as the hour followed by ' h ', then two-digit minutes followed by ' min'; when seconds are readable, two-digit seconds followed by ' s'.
6 h 53 min
